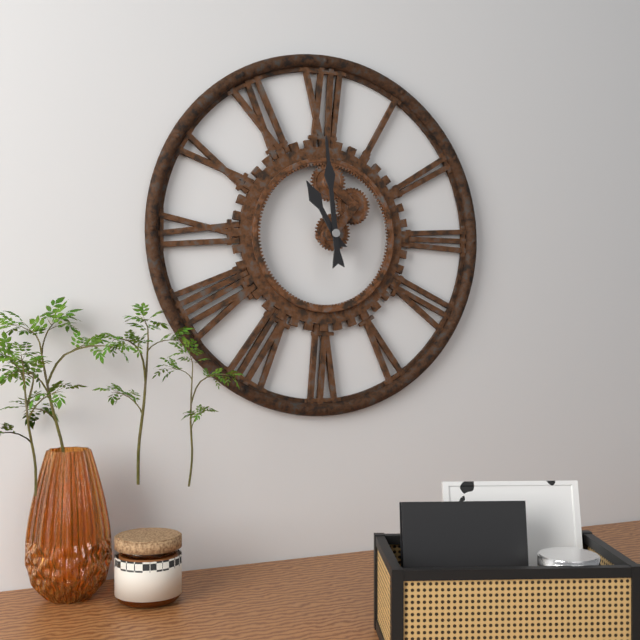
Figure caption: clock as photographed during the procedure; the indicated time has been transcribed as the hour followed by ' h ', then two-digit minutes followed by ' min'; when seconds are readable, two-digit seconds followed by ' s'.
10 h 59 min
